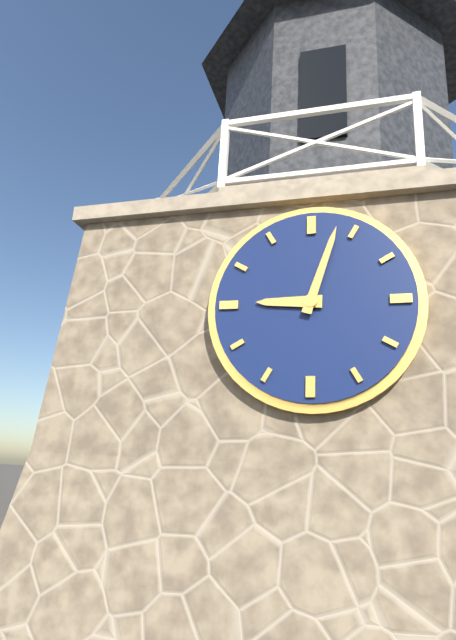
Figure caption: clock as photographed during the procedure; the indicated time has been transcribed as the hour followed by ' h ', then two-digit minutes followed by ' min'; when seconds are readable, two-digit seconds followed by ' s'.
9 h 03 min
